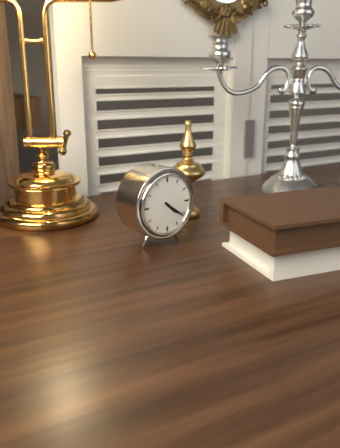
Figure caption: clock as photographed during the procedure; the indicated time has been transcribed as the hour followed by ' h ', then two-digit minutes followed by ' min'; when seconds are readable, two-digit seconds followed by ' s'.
4 h 21 min
